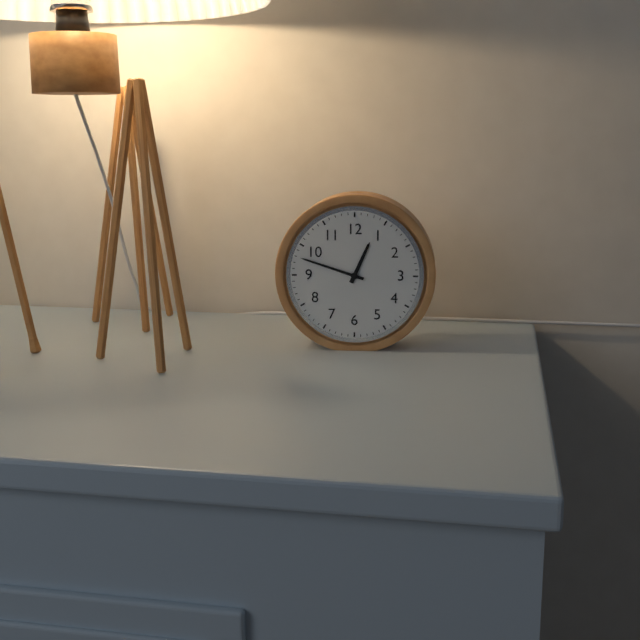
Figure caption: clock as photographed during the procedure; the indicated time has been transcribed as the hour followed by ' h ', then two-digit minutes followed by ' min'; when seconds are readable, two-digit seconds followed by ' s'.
12 h 48 min
